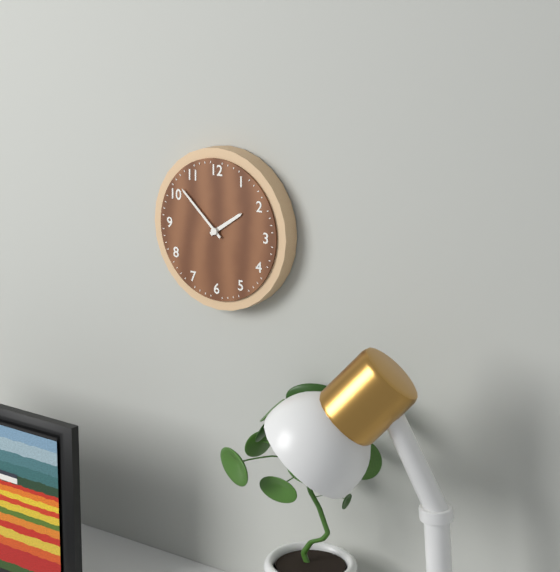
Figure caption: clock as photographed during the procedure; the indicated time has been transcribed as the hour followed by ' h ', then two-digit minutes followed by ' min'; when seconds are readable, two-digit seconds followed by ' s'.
1 h 52 min
